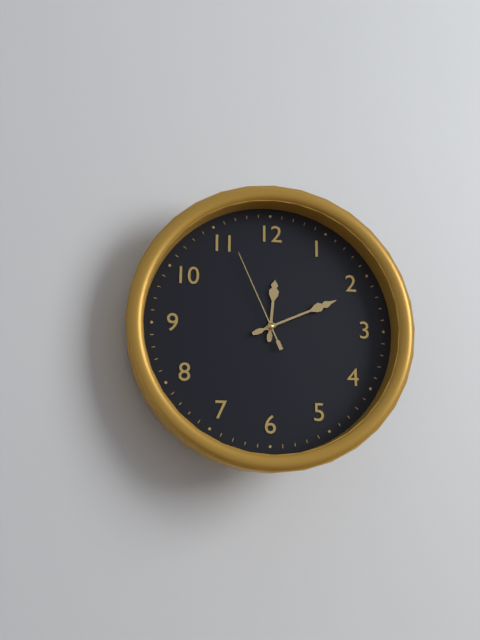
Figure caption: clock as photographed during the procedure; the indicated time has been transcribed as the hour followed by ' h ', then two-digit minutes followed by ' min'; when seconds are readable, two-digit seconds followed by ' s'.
12 h 11 min 56 s
